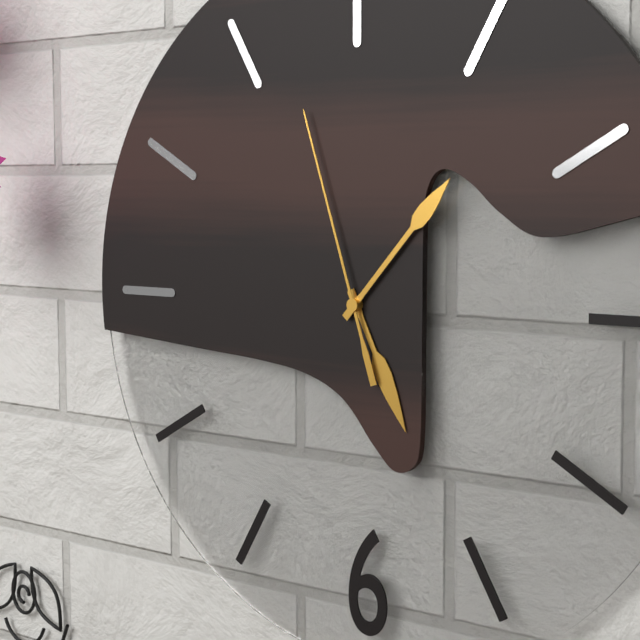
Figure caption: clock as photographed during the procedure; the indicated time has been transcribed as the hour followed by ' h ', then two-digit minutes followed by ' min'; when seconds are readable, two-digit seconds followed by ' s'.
5 h 07 min 57 s
